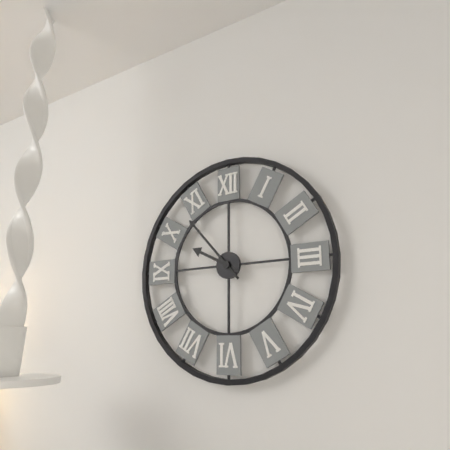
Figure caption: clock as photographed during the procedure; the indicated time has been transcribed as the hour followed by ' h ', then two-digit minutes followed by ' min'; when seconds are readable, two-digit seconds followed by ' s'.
9 h 53 min
